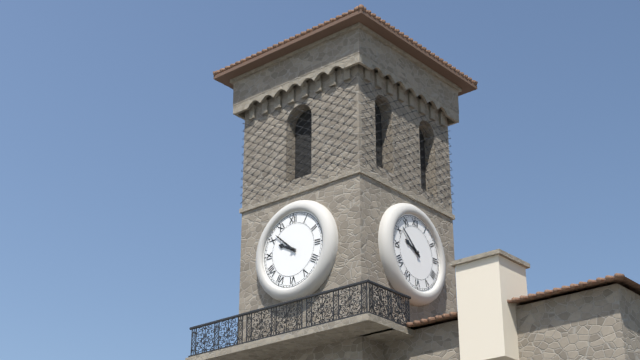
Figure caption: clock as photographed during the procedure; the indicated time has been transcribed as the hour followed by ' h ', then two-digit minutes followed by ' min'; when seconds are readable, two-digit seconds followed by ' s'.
9 h 52 min
